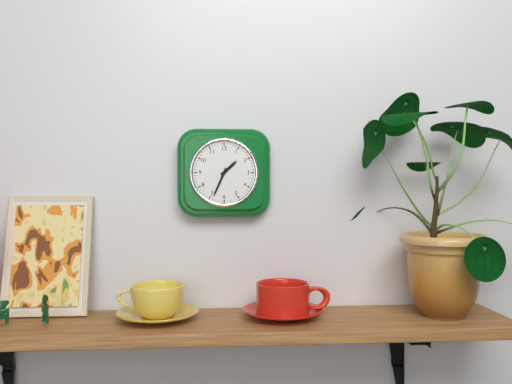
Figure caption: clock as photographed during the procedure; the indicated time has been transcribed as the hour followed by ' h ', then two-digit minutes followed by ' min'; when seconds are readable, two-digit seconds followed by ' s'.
1 h 34 min
